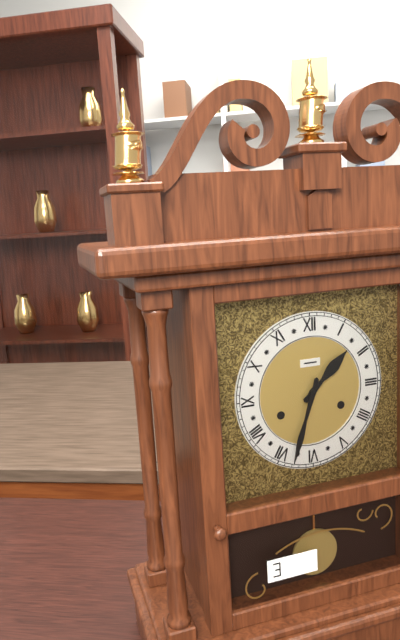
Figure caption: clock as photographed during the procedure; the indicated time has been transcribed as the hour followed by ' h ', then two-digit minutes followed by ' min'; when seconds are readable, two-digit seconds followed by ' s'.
1 h 33 min
